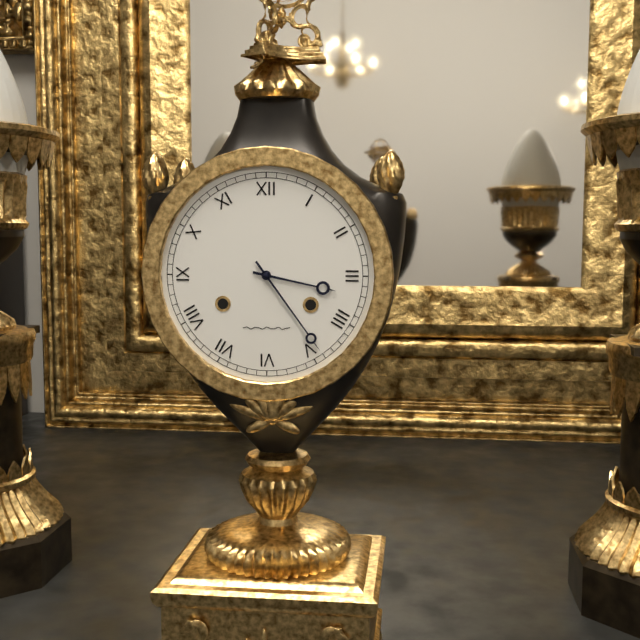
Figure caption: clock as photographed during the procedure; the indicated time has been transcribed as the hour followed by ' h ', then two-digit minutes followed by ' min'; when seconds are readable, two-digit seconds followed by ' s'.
3 h 24 min
